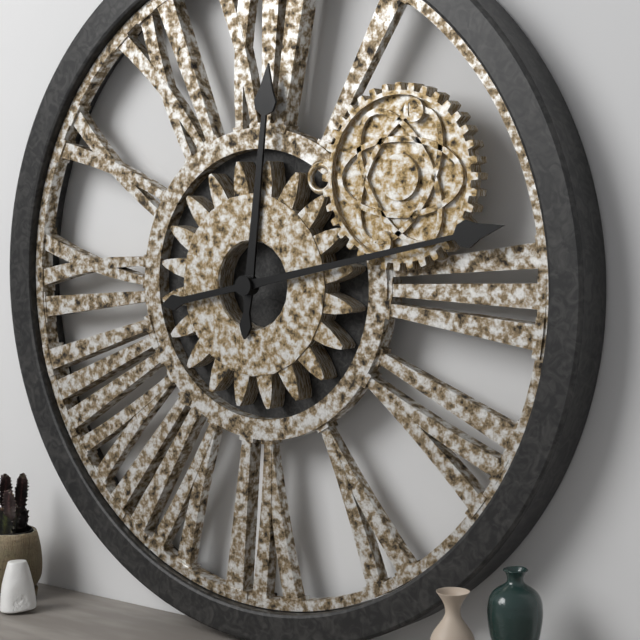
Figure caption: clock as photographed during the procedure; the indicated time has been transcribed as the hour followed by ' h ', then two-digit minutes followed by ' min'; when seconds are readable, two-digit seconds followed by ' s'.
12 h 13 min
